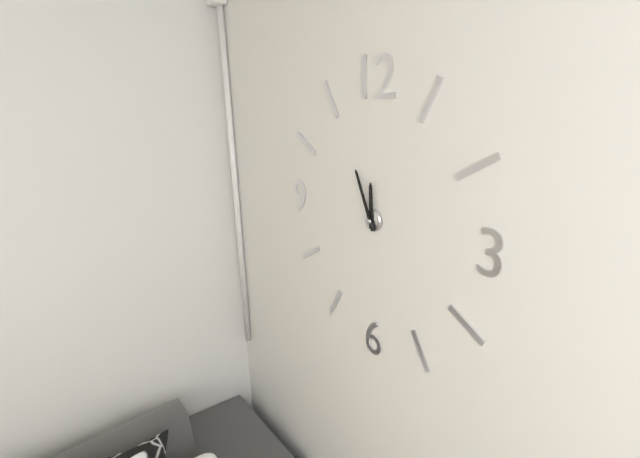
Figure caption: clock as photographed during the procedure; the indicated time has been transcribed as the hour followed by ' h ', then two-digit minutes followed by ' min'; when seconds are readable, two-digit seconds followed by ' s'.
11 h 56 min
